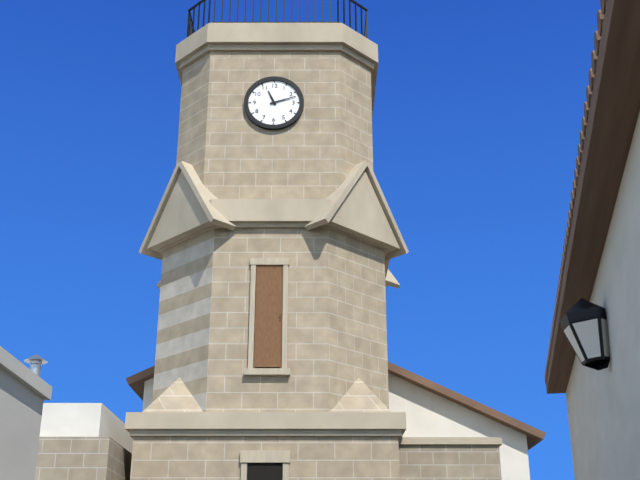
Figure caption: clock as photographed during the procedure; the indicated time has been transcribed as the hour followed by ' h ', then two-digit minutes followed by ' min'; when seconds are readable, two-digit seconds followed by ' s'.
11 h 12 min
